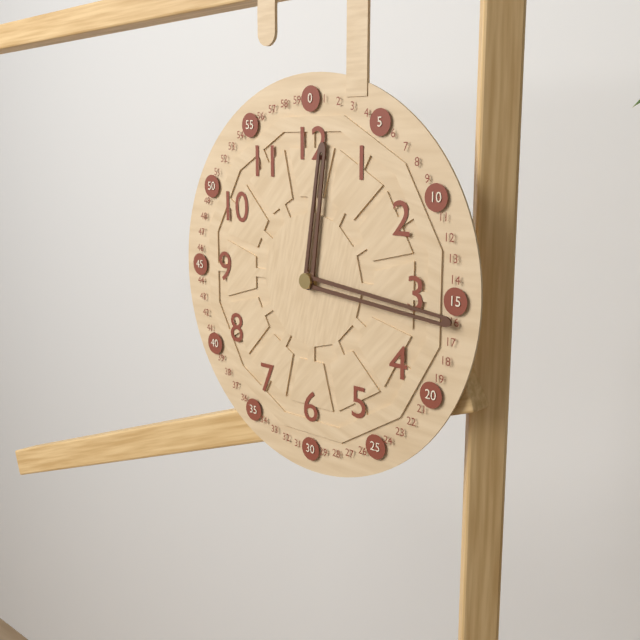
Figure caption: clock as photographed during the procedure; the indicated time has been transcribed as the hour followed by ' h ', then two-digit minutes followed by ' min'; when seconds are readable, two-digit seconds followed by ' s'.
12 h 16 min
